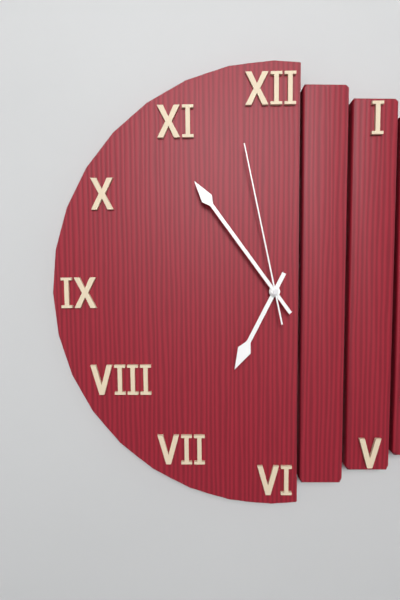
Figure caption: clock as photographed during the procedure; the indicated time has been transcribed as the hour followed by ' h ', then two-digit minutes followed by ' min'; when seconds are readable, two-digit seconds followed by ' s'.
6 h 54 min 58 s
